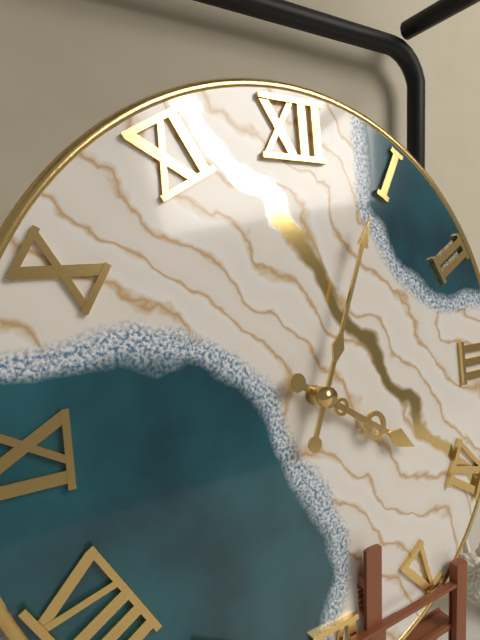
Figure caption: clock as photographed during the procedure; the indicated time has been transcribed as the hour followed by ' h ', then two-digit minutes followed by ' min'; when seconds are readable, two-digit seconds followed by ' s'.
4 h 04 min
